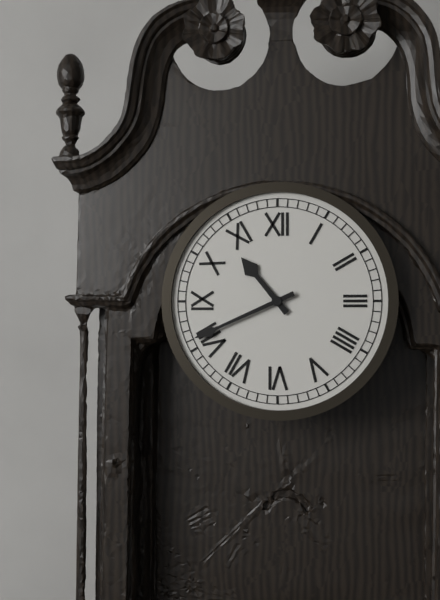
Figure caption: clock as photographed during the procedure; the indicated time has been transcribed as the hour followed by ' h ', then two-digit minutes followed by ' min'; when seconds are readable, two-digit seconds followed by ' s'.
10 h 41 min
